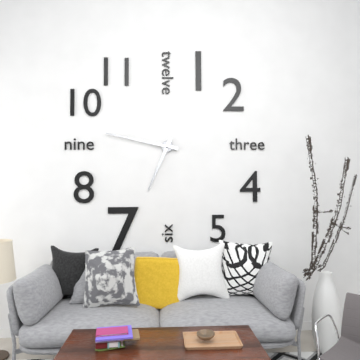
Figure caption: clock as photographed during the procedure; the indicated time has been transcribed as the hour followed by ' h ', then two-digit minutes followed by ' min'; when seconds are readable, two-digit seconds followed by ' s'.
6 h 47 min
